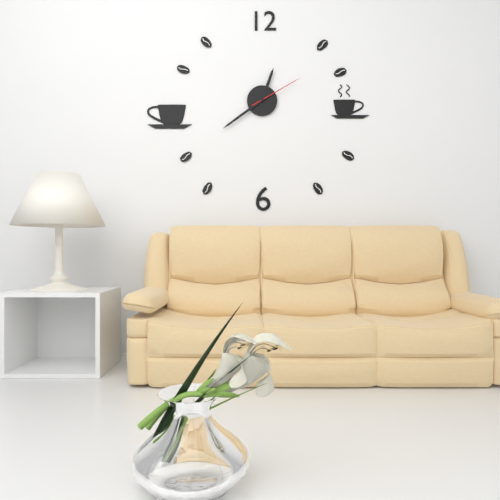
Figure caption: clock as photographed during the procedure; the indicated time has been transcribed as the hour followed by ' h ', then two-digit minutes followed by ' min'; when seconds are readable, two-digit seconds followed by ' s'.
12 h 39 min 10 s
